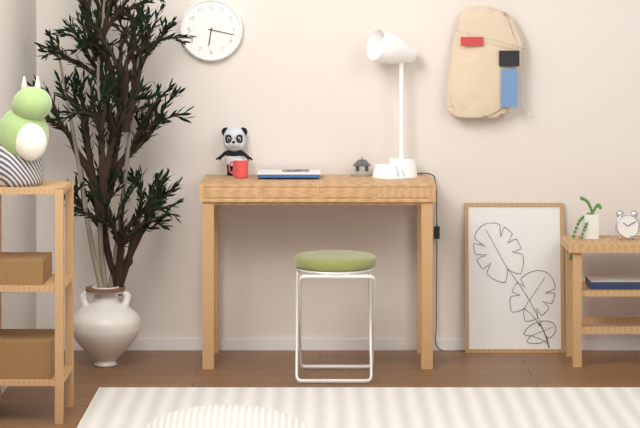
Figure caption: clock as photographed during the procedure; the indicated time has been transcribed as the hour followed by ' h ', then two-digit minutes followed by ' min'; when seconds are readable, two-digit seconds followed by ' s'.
6 h 17 min
